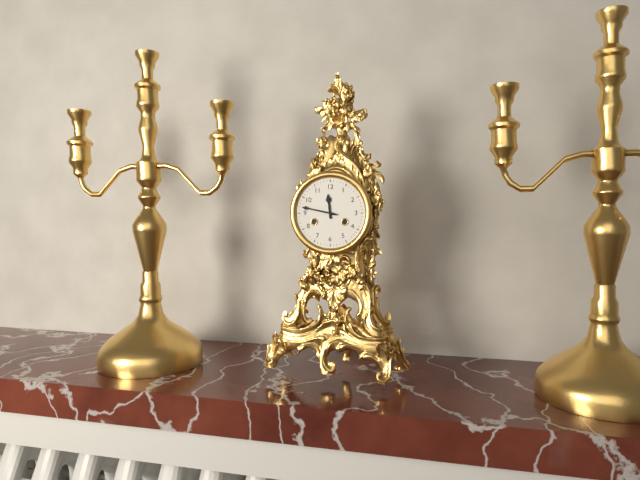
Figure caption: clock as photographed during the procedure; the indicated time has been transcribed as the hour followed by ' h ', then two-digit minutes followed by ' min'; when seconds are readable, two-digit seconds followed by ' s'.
11 h 47 min
